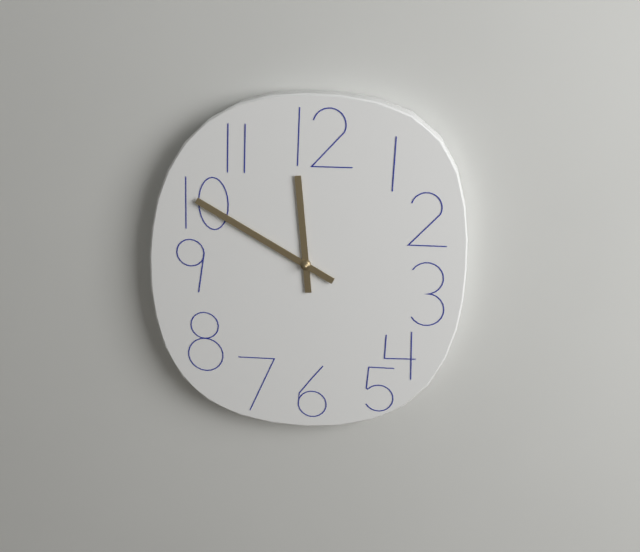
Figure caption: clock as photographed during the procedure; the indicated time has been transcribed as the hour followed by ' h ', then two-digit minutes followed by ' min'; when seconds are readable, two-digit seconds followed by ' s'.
11 h 50 min
